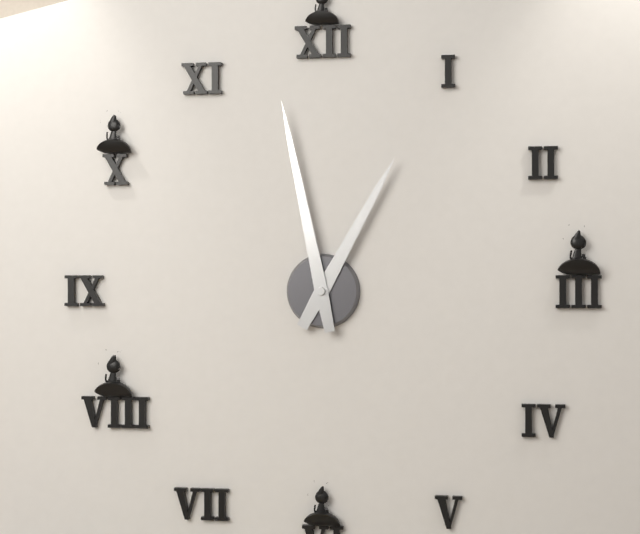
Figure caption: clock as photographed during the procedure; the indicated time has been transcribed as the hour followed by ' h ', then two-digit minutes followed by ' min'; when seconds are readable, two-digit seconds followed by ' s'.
12 h 58 min
